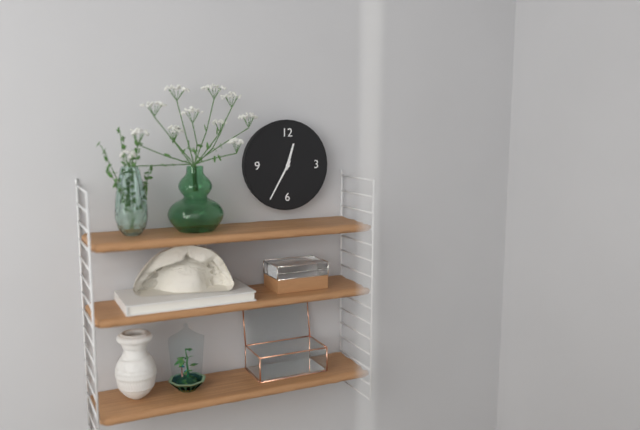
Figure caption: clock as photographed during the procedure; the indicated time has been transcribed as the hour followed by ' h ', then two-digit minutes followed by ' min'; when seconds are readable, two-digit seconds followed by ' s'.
12 h 35 min
